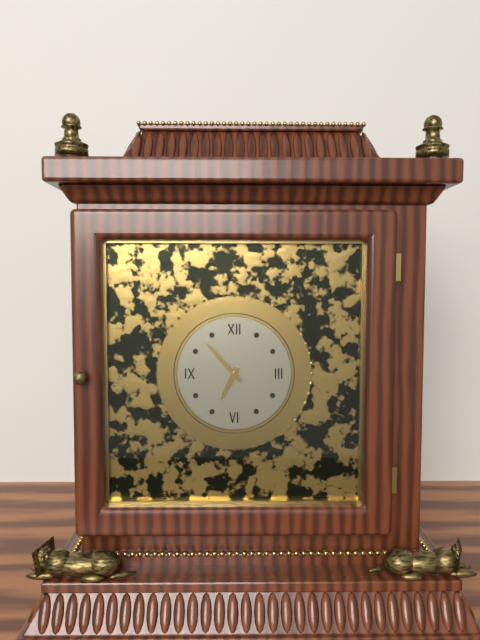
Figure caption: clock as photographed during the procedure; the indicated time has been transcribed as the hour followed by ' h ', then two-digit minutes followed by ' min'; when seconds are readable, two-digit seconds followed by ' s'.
6 h 53 min
